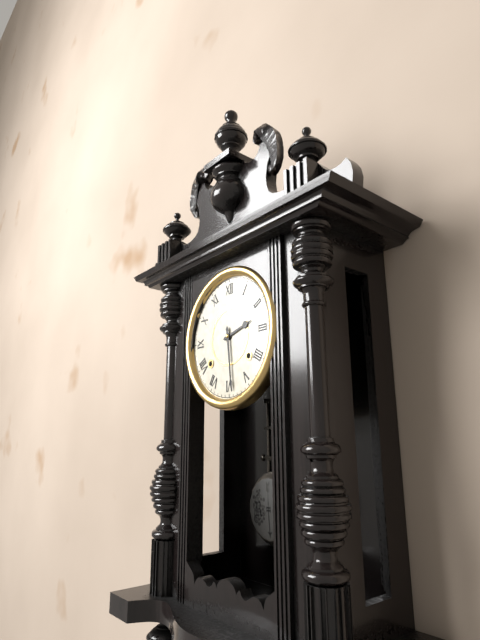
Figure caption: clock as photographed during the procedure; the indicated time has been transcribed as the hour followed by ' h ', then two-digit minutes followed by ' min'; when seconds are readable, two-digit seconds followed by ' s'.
2 h 29 min
